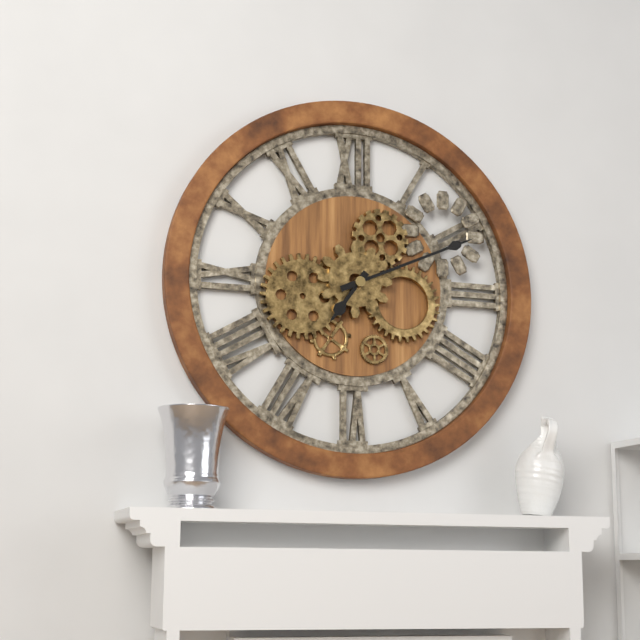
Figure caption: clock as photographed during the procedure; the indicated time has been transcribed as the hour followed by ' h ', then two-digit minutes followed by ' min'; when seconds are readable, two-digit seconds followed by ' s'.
7 h 11 min
